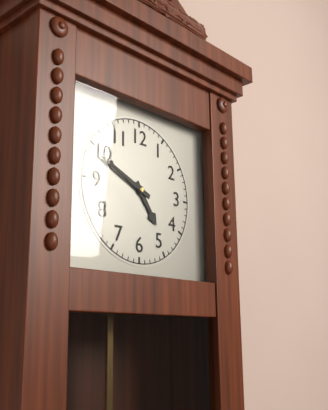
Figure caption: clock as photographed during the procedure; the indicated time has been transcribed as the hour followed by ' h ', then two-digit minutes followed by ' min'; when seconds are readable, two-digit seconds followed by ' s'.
4 h 49 min
